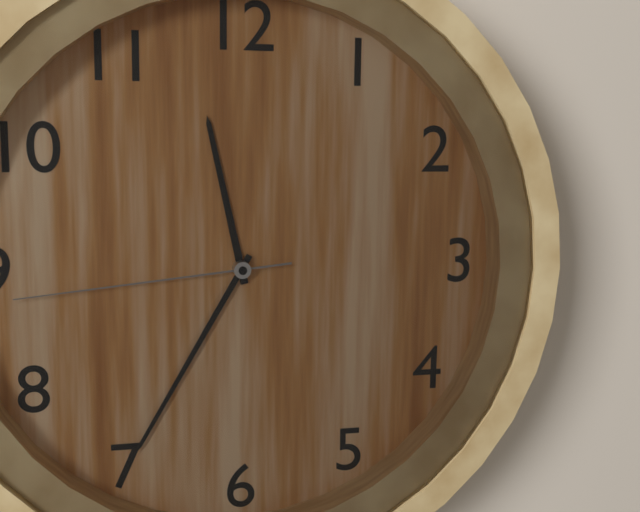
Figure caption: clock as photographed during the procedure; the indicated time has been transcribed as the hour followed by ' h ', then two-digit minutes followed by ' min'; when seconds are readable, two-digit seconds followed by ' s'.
11 h 35 min 44 s
